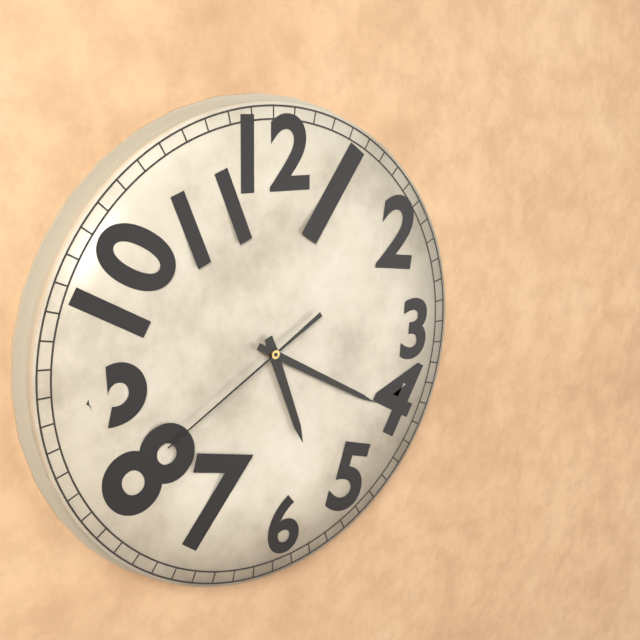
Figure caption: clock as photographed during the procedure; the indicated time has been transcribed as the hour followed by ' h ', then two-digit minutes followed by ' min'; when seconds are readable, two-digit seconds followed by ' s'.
5 h 20 min 40 s
